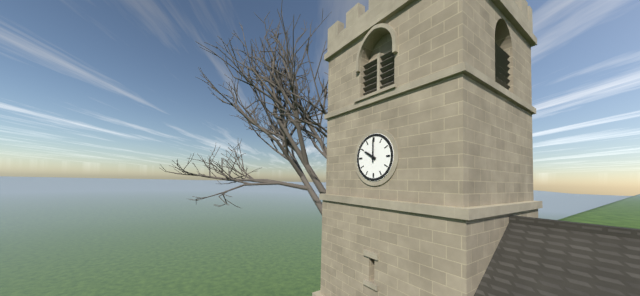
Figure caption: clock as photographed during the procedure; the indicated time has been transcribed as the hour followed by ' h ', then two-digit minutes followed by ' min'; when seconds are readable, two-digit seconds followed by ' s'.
10 h 00 min
